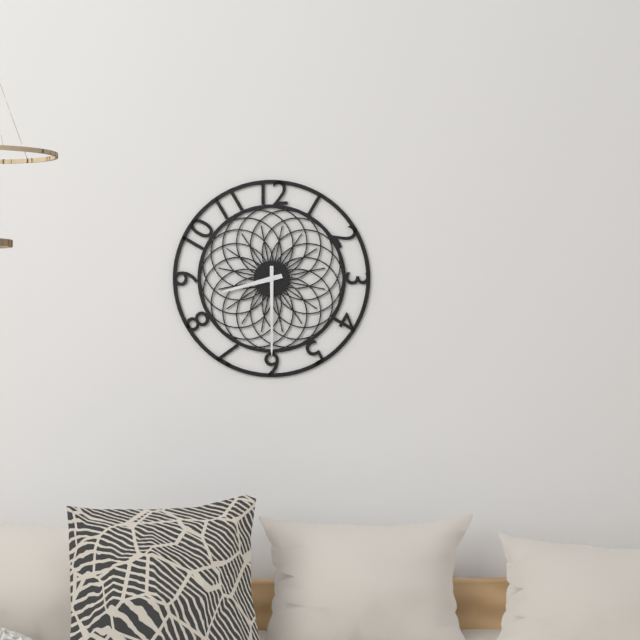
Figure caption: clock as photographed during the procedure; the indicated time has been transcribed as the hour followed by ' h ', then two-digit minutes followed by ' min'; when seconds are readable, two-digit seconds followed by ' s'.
8 h 30 min
